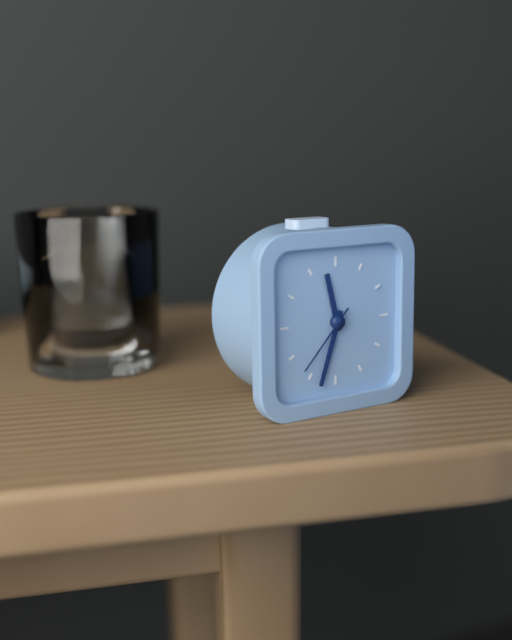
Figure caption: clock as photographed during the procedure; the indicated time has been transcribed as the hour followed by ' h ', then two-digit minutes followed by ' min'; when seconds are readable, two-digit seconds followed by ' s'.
11 h 33 min 37 s
